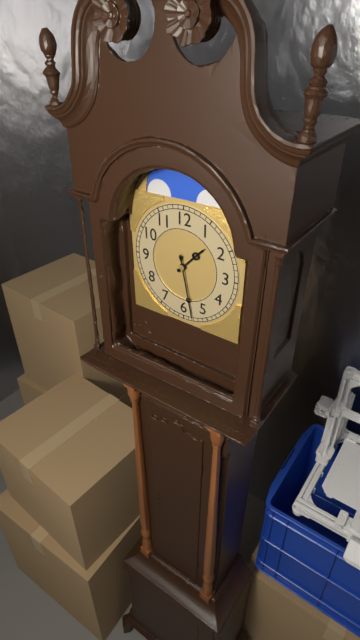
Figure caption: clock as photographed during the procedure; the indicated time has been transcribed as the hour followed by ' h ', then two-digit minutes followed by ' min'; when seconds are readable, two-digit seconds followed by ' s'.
1 h 28 min
